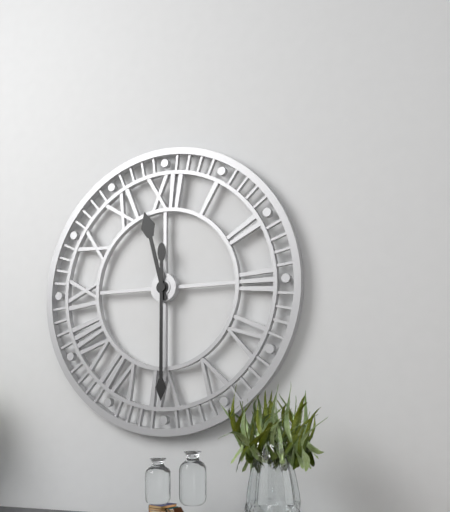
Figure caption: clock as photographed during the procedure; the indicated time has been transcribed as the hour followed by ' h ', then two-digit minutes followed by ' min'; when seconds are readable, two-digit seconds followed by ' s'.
11 h 30 min
